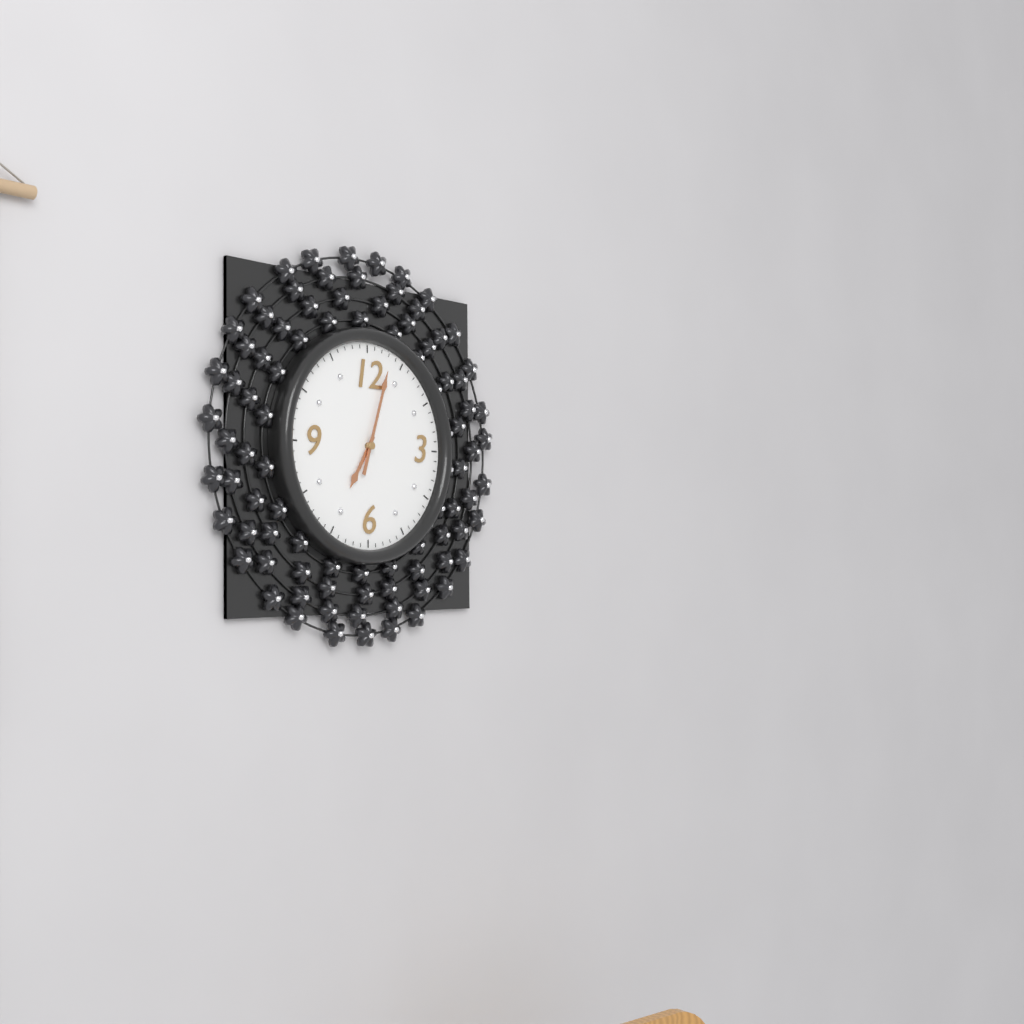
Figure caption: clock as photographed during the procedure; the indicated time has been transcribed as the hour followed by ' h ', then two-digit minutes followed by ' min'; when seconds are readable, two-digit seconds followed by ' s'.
7 h 03 min
